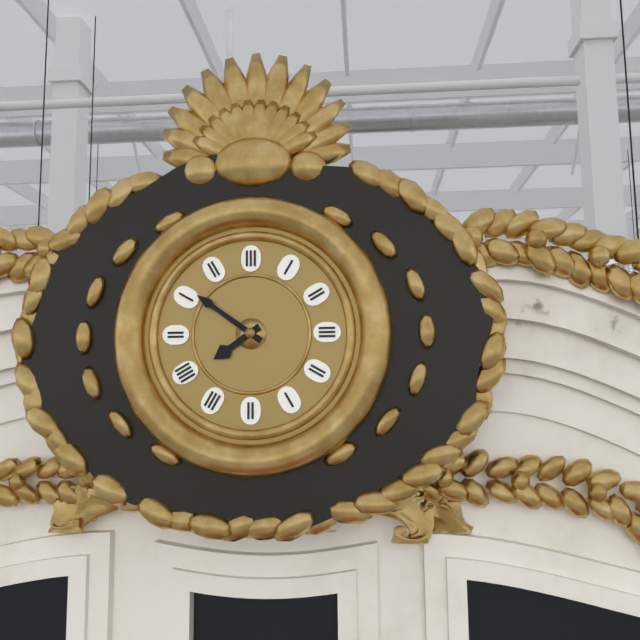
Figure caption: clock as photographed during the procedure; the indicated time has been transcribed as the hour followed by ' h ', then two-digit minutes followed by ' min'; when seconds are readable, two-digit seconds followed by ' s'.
7 h 51 min
